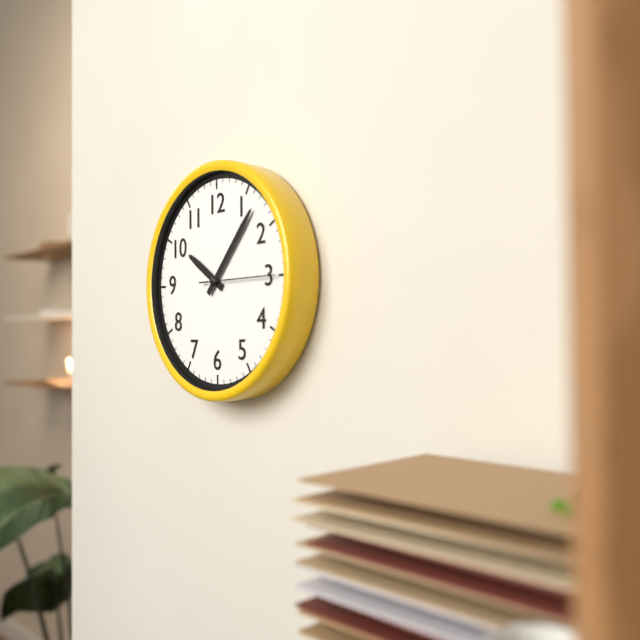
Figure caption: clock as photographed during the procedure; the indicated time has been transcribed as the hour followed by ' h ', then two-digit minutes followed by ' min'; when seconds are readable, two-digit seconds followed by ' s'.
10 h 07 min
